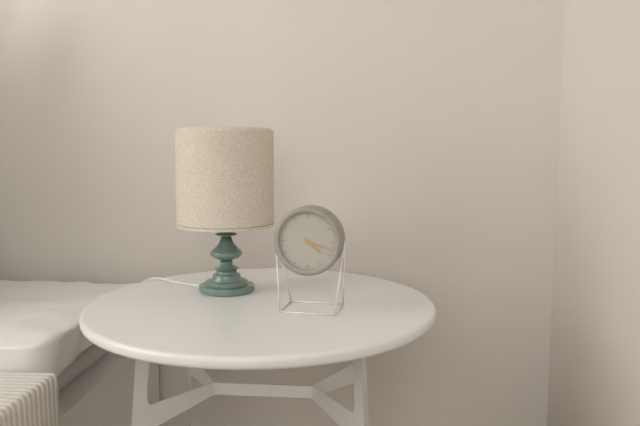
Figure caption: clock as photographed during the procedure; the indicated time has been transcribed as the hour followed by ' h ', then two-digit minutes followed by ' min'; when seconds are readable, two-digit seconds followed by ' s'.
4 h 18 min
